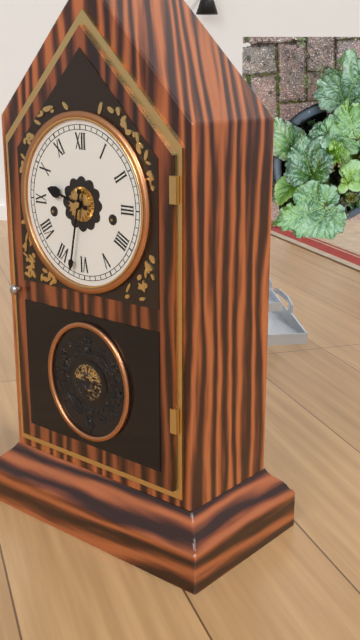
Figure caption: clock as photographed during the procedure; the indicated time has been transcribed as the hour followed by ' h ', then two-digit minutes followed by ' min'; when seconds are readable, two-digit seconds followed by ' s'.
9 h 32 min
